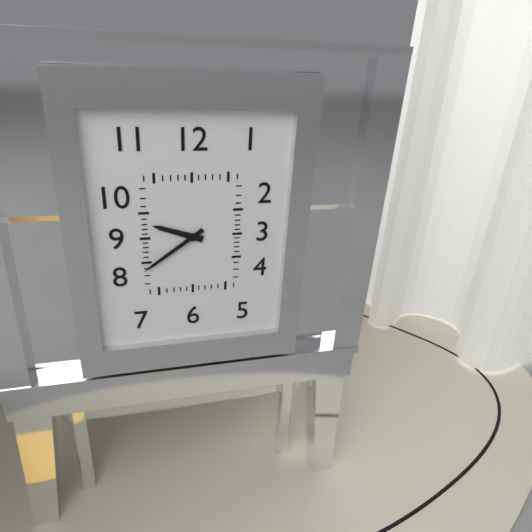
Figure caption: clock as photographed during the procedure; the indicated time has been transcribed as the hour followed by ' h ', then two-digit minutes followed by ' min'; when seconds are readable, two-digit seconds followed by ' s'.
9 h 39 min
